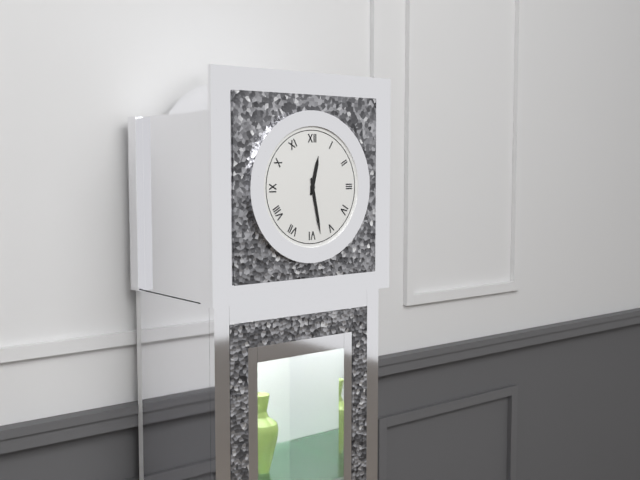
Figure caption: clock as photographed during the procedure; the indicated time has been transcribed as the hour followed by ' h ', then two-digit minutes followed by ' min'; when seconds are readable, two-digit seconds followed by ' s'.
12 h 28 min
